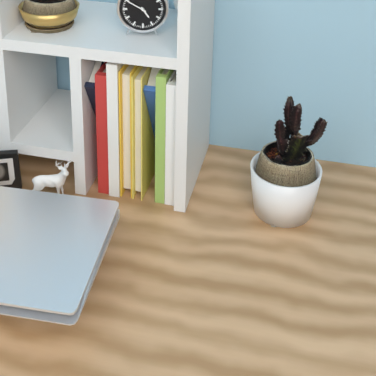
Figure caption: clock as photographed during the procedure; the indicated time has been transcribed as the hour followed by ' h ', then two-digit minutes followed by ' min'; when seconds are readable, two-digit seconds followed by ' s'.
4 h 50 min
